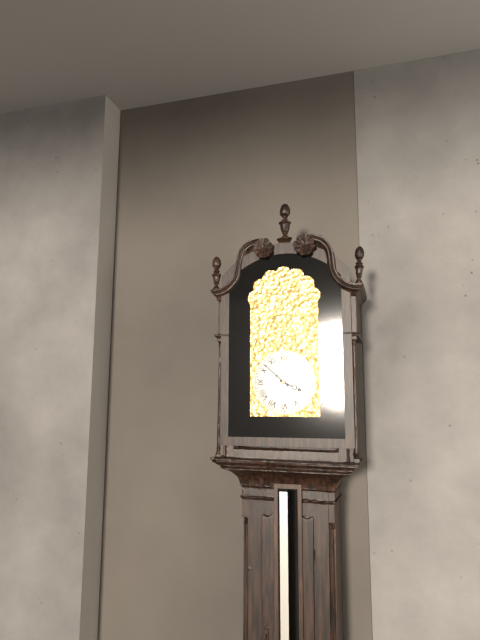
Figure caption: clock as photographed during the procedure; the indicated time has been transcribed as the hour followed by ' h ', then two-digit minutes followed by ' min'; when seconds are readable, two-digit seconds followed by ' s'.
3 h 52 min
